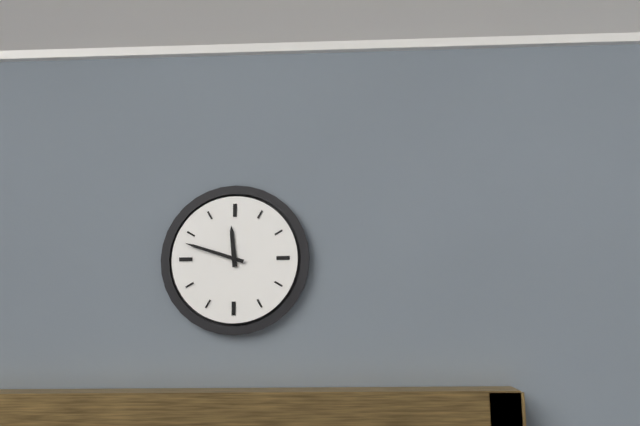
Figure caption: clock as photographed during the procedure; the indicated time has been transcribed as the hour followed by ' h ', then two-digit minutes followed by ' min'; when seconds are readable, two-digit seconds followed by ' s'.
11 h 48 min
